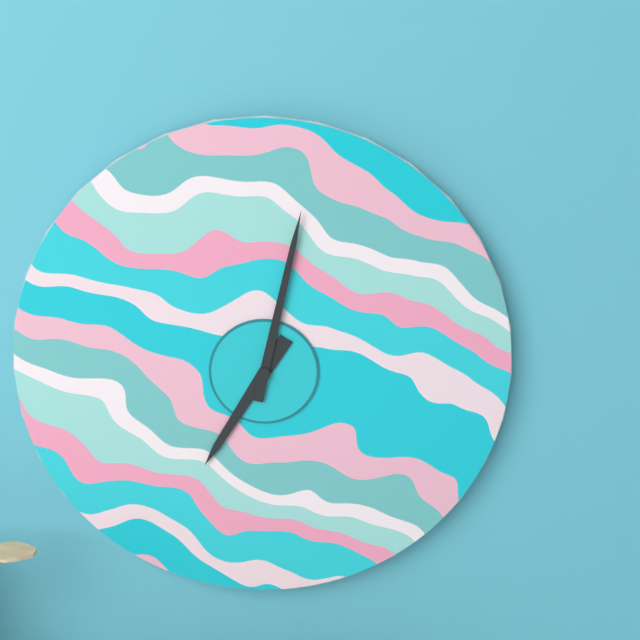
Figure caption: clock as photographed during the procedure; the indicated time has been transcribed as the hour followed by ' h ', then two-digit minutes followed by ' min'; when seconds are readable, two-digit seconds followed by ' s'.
7 h 02 min
